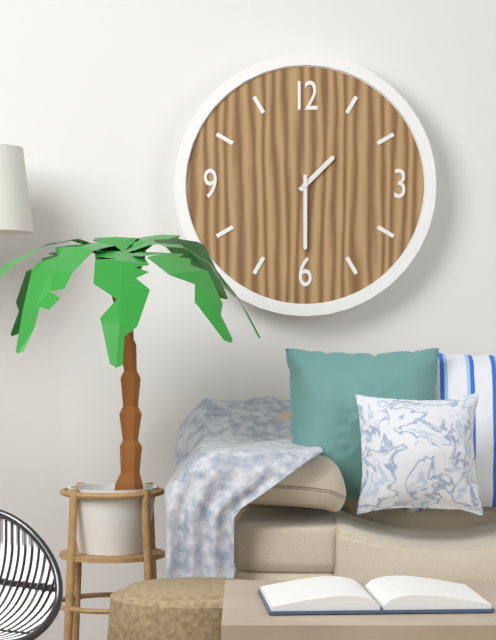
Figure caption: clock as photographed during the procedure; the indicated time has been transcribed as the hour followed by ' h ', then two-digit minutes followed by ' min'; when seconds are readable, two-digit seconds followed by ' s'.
1 h 30 min
